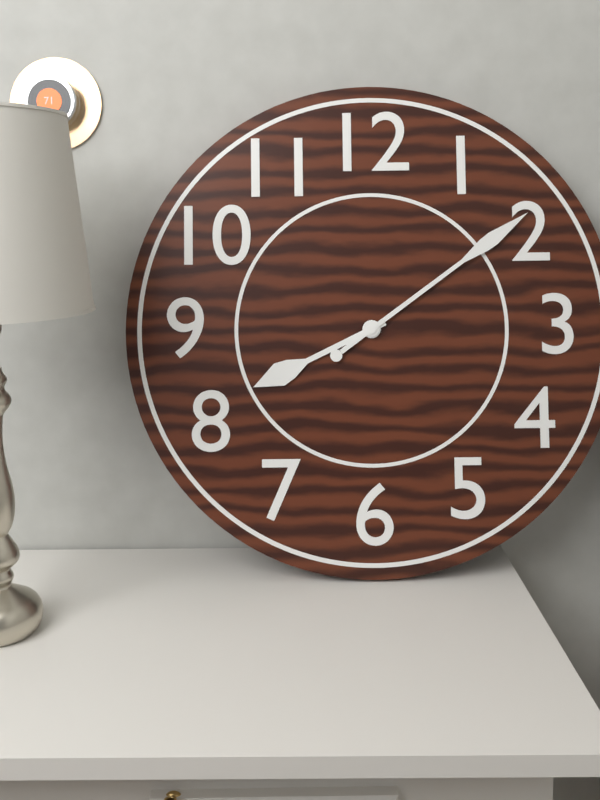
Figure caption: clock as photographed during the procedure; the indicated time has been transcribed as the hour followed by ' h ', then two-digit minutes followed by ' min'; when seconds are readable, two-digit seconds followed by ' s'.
8 h 09 min
